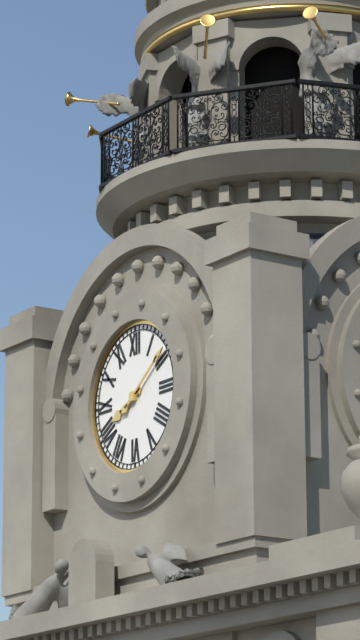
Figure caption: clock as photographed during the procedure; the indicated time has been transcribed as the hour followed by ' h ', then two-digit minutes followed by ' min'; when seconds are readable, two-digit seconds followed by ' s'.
8 h 09 min
